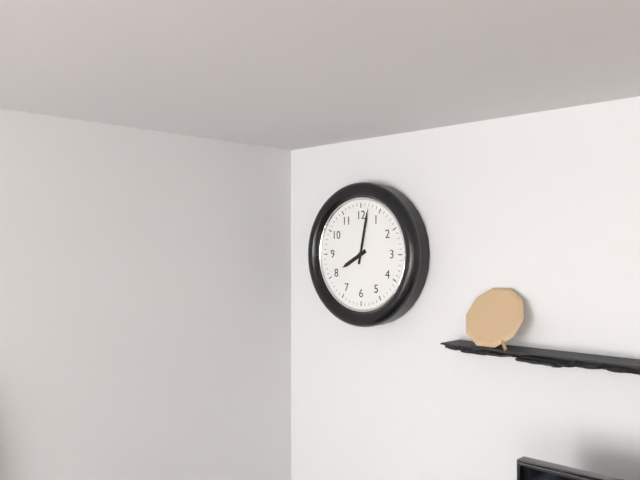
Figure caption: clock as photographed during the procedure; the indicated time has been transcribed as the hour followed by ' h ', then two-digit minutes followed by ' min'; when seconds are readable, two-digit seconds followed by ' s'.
8 h 02 min
